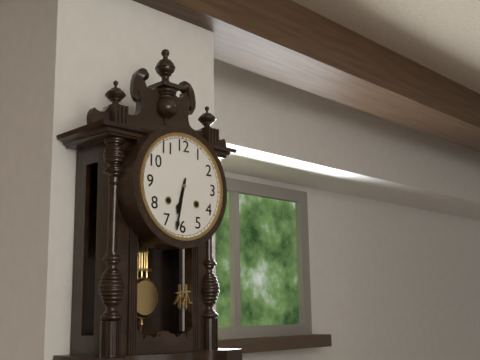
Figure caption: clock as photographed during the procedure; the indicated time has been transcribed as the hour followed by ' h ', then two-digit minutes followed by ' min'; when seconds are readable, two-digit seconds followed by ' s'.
6 h 32 min
